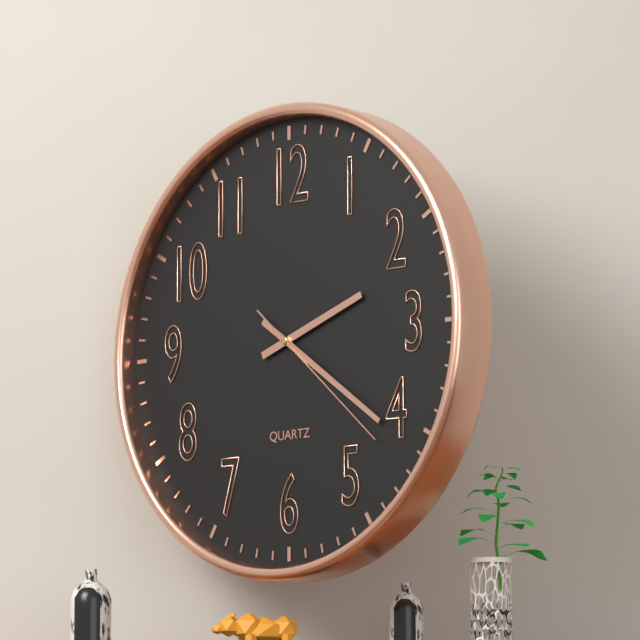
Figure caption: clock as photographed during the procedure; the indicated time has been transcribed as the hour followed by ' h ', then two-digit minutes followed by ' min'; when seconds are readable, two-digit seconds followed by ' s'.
2 h 21 min 22 s
